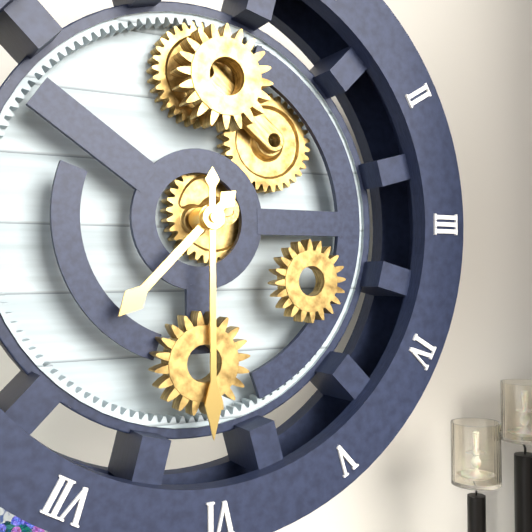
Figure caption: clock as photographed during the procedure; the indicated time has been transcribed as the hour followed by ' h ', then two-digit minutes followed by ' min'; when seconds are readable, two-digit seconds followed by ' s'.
7 h 30 min
